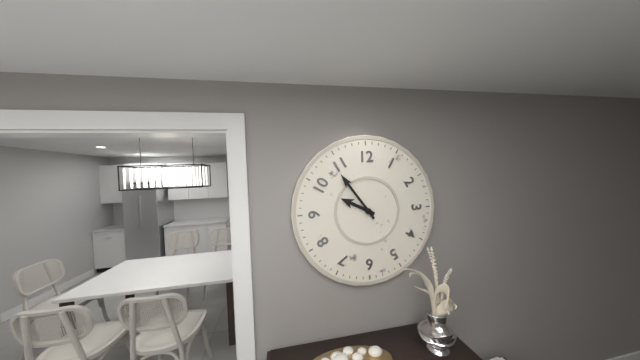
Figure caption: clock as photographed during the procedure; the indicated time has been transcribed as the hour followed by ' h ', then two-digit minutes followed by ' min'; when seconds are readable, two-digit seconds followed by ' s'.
9 h 54 min
